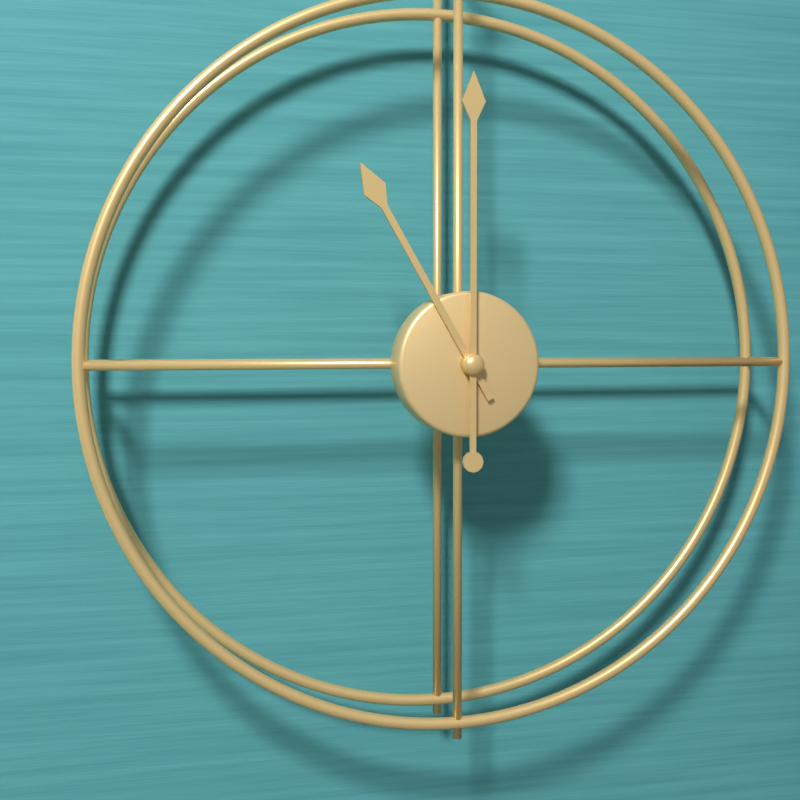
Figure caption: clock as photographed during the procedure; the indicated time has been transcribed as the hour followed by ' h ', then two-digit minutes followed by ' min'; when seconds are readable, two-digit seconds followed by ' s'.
11 h 00 min
